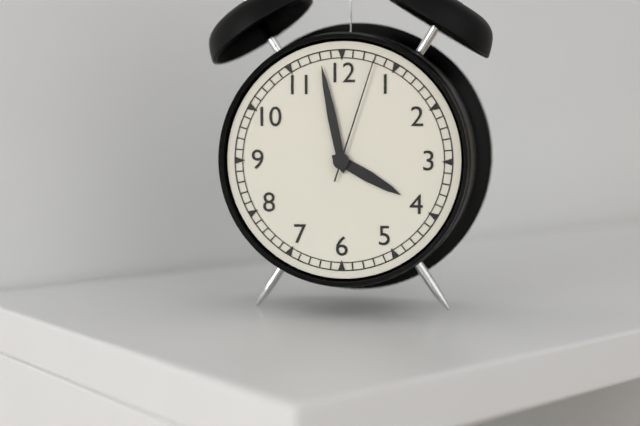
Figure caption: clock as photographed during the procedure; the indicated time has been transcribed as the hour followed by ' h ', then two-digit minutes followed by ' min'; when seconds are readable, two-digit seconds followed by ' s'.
3 h 58 min 03 s
